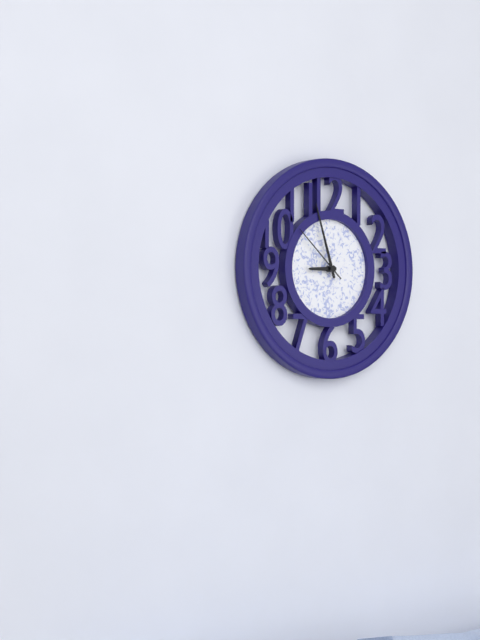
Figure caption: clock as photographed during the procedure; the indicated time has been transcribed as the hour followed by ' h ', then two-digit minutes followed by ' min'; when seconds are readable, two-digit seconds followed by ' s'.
8 h 57 min 52 s
